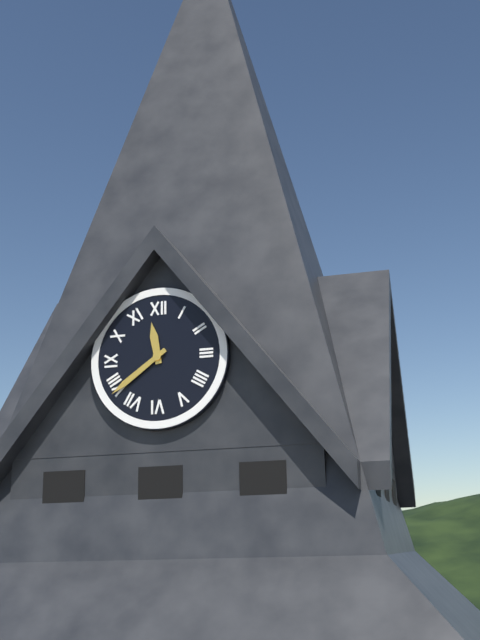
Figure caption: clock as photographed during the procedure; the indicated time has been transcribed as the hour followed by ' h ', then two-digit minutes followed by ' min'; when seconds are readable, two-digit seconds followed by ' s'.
11 h 39 min
